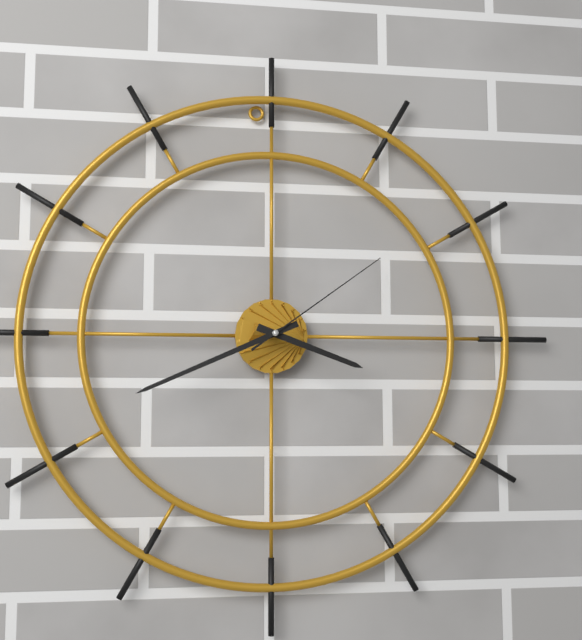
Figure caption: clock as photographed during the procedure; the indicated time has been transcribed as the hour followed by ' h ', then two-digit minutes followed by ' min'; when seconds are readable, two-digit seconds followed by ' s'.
3 h 41 min 09 s
